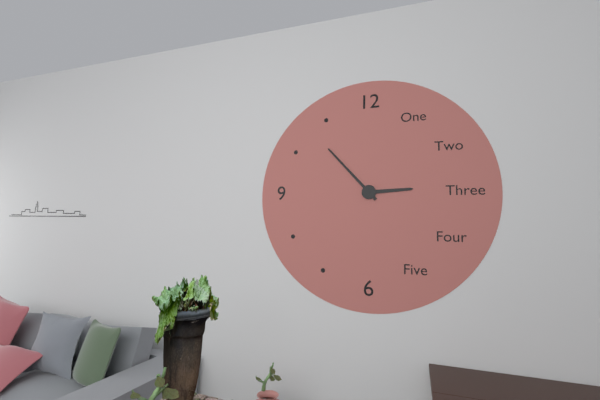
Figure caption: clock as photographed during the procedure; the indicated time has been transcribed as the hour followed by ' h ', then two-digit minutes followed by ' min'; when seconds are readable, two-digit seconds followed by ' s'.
2 h 53 min
